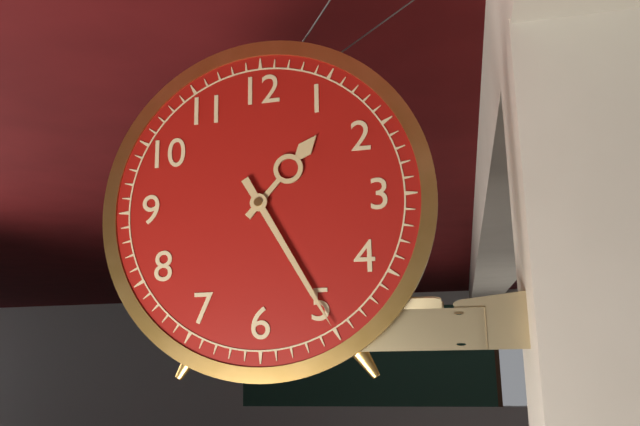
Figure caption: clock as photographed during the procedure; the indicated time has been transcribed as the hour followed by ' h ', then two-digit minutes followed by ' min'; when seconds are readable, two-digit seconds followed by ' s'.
1 h 25 min
